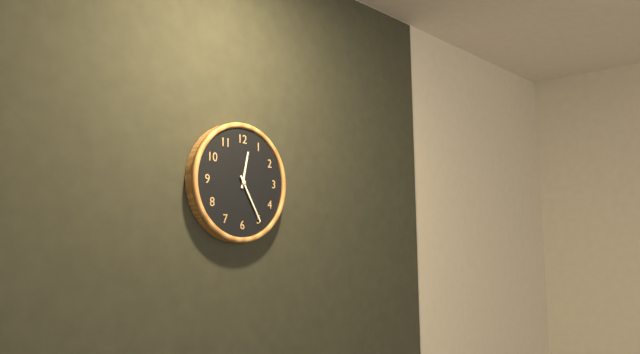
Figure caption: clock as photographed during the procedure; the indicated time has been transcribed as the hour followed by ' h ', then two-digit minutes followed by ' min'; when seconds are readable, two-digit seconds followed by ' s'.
12 h 25 min
